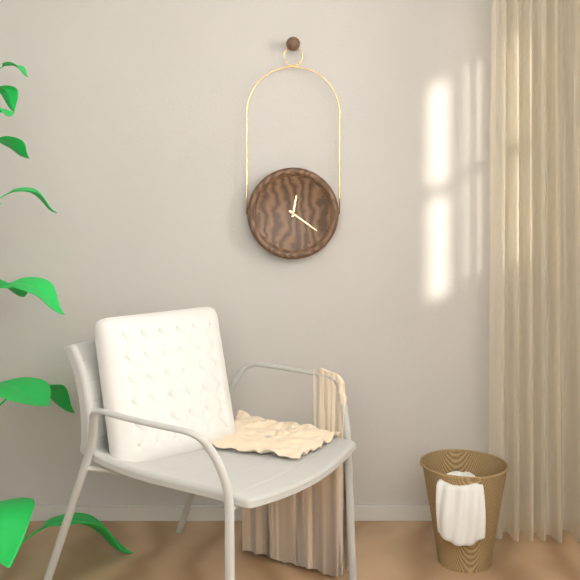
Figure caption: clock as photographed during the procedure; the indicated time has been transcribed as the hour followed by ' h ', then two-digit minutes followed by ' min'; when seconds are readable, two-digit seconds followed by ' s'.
12 h 21 min
